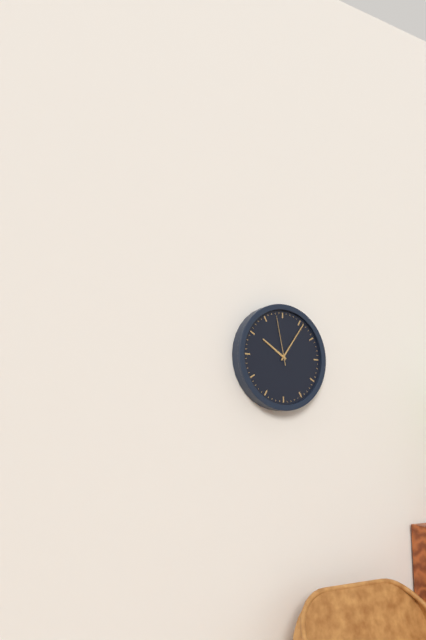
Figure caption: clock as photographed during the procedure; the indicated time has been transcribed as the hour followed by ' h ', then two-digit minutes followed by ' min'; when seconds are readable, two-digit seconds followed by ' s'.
10 h 06 min 58 s
